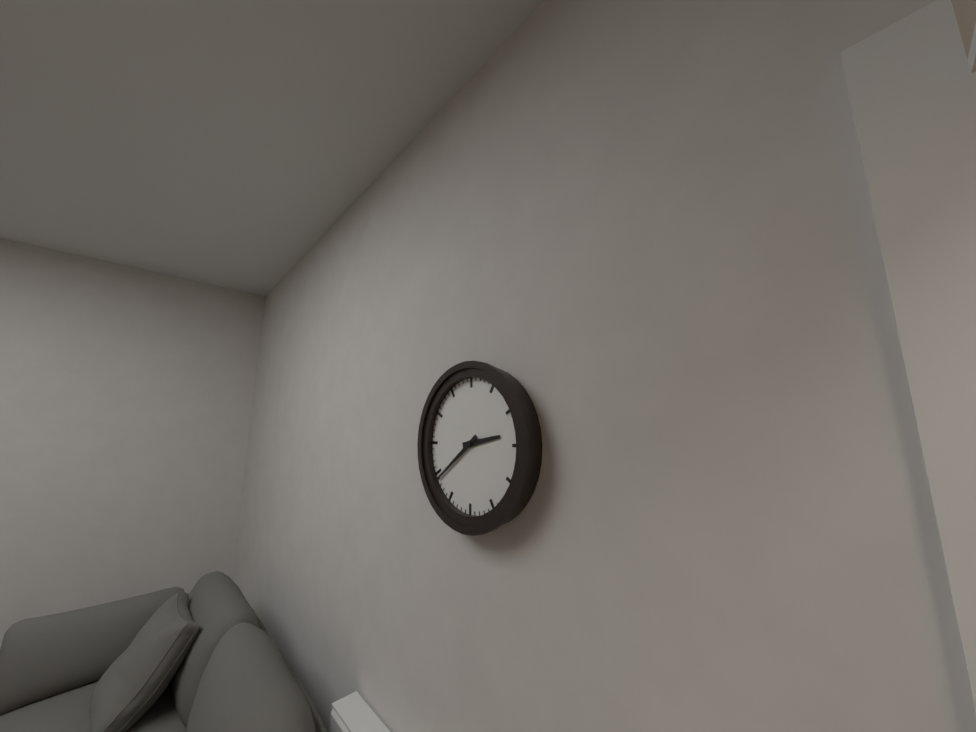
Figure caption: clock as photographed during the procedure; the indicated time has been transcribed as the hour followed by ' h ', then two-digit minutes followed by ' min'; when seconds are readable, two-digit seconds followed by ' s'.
2 h 39 min
